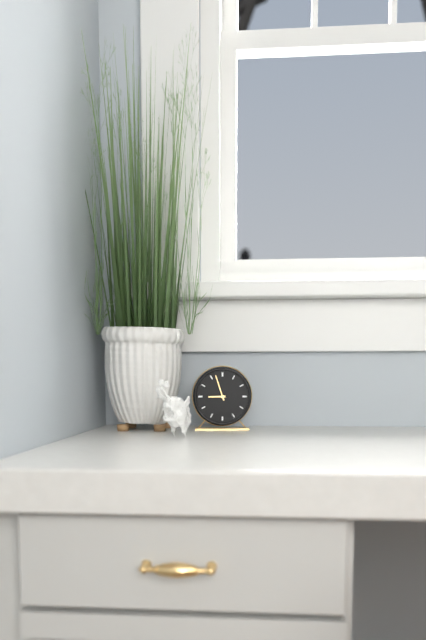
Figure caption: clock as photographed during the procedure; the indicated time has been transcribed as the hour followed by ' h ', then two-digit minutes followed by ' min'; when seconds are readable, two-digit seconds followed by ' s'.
8 h 57 min
